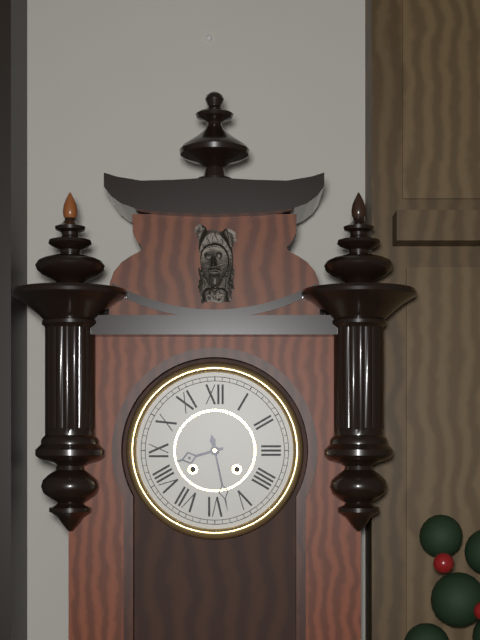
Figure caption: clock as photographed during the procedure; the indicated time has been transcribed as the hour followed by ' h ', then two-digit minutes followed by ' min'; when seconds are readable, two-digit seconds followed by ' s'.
8 h 28 min
